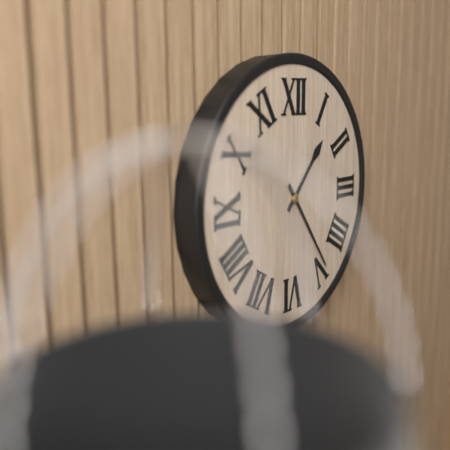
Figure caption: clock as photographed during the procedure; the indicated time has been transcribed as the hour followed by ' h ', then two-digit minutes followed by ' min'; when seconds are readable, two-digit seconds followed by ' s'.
1 h 24 min
